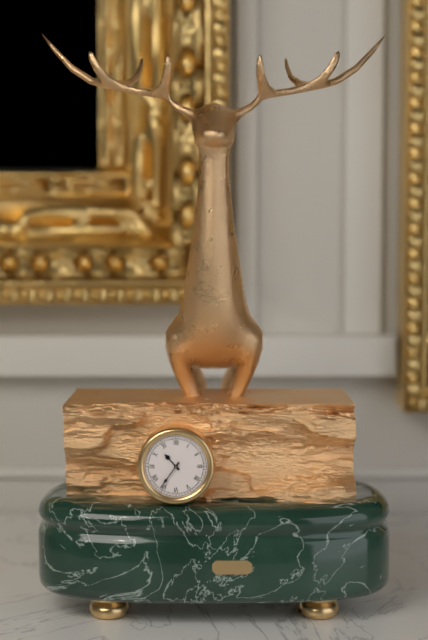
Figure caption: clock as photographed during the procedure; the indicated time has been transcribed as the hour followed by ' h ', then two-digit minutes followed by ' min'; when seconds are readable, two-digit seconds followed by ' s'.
10 h 36 min
